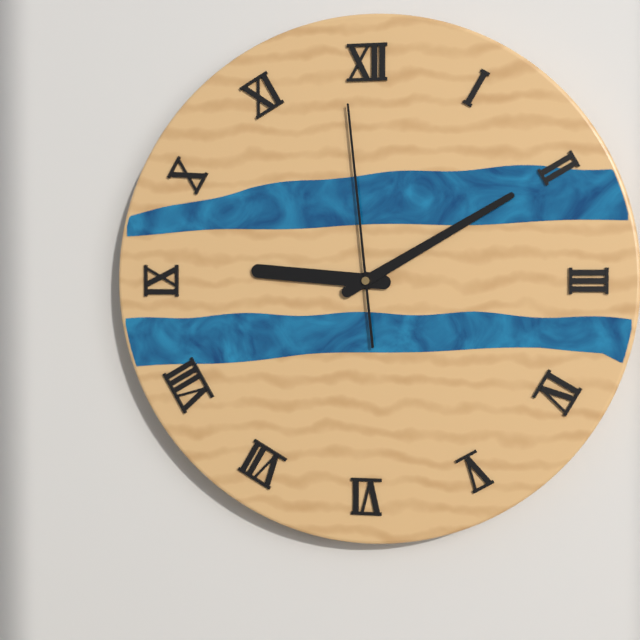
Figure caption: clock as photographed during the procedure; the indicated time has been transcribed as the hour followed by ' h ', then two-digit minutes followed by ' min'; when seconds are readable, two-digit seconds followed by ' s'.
9 h 10 min 59 s
